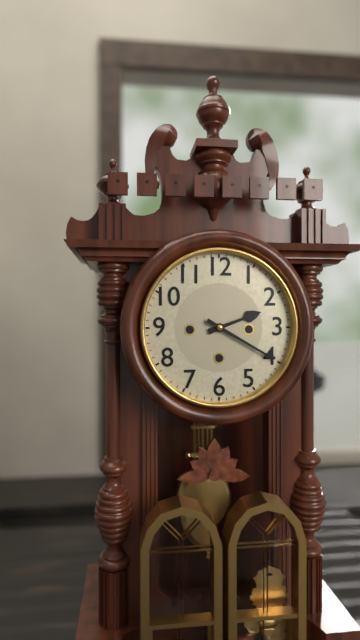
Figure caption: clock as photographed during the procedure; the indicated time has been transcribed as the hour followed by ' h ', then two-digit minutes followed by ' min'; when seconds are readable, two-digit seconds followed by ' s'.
2 h 20 min
